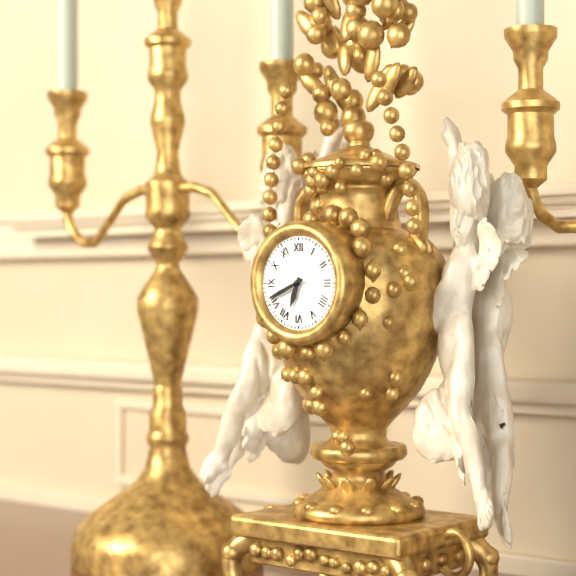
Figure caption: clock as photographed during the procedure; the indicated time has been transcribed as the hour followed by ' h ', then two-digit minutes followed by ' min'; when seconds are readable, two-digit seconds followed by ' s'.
6 h 41 min
